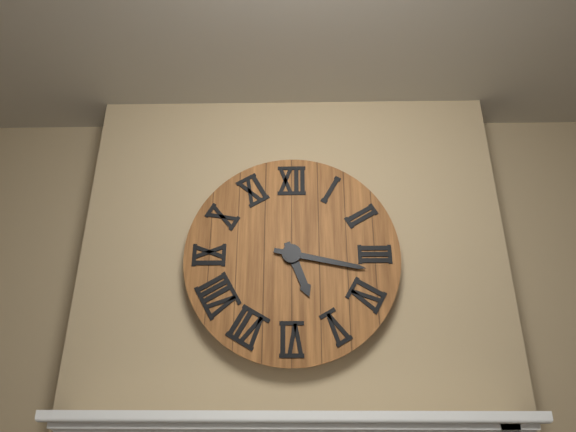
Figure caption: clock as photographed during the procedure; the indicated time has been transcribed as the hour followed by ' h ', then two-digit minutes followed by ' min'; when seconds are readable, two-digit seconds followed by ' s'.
5 h 17 min
